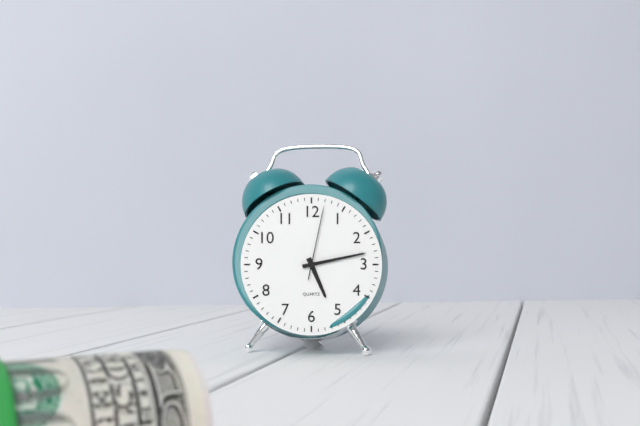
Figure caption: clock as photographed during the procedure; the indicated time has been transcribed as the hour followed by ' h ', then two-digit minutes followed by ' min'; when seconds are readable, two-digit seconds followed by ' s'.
5 h 13 min 02 s
